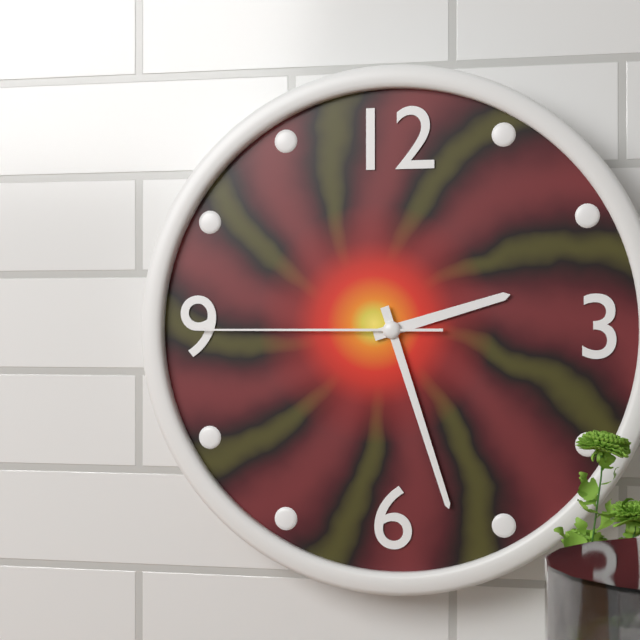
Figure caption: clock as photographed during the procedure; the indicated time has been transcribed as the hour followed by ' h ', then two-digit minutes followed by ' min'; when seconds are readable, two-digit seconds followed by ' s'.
2 h 27 min 45 s
